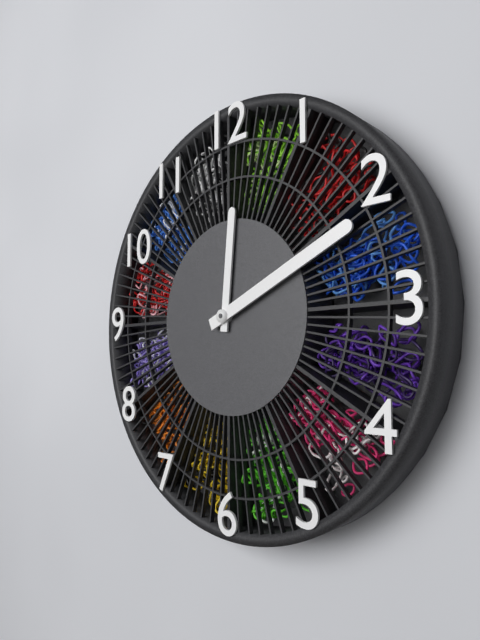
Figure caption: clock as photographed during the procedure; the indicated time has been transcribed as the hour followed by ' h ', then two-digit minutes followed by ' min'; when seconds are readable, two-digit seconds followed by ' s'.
12 h 11 min
